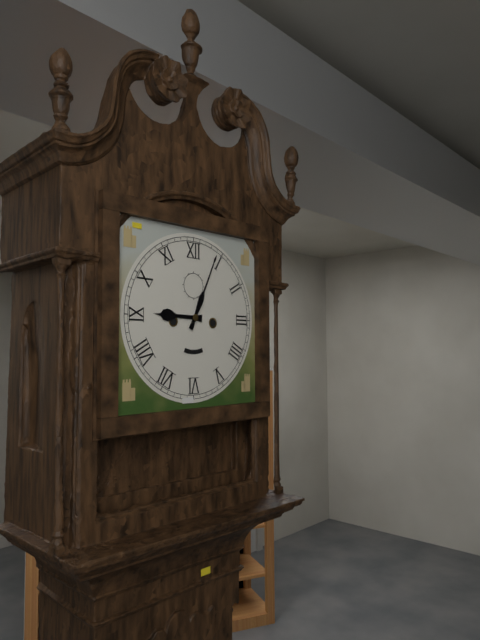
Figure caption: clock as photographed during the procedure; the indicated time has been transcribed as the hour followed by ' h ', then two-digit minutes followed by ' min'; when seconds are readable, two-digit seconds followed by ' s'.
9 h 04 min
